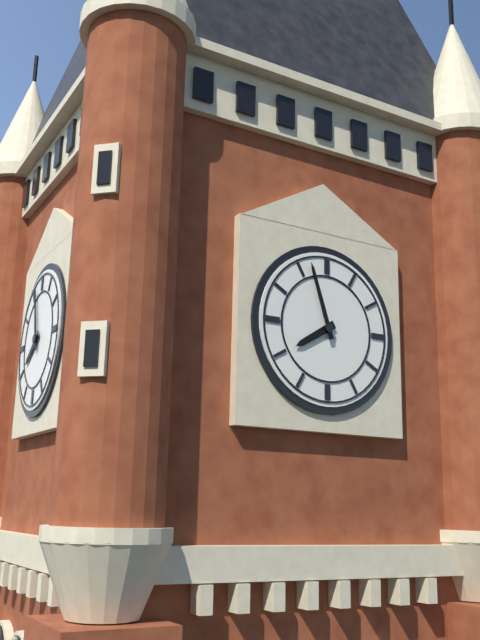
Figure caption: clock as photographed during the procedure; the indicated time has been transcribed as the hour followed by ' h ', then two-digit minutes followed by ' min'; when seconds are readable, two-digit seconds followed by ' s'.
7 h 57 min
